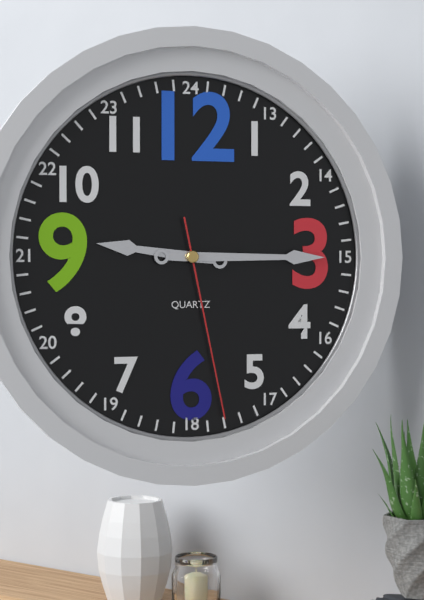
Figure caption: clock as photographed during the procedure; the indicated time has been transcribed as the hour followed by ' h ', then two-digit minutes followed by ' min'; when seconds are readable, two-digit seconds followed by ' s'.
9 h 15 min 28 s
